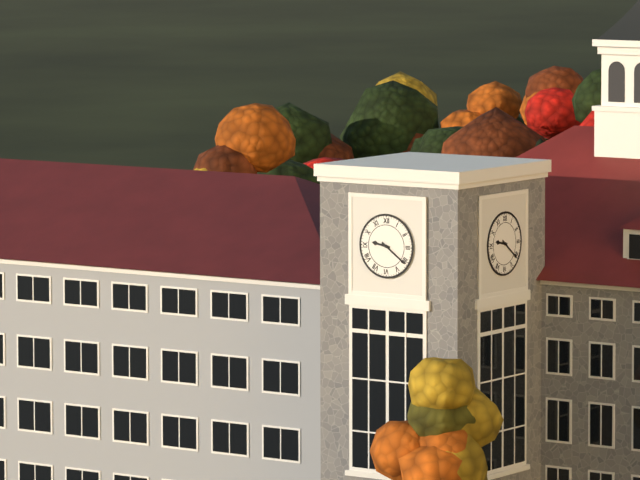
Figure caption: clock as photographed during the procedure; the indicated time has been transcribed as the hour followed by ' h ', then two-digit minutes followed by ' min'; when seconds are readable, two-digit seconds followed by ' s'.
9 h 21 min
